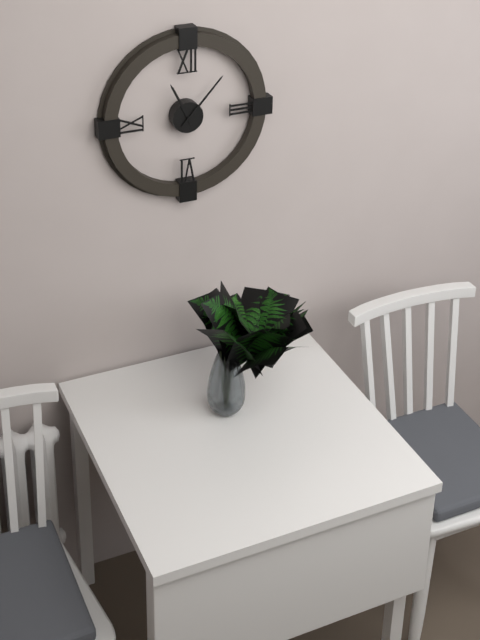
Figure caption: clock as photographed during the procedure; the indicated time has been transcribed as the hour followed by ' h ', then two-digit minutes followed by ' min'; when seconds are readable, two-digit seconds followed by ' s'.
11 h 07 min
